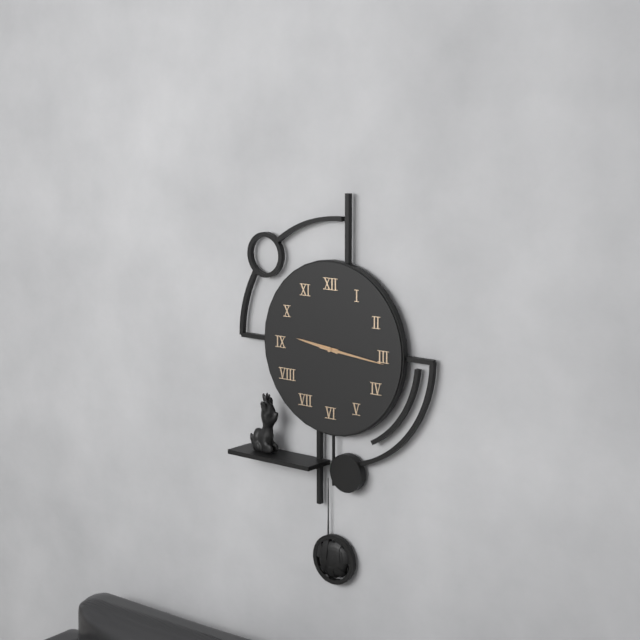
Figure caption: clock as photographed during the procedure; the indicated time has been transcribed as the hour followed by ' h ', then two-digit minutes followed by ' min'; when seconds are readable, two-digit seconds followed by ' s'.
9 h 16 min
